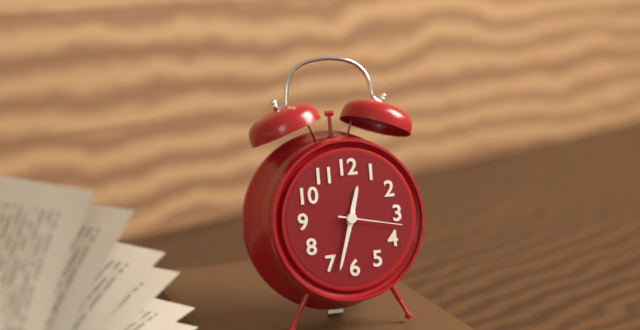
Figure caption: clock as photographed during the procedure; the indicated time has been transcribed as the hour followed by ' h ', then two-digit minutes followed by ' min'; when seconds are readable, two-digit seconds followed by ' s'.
12 h 33 min 17 s
